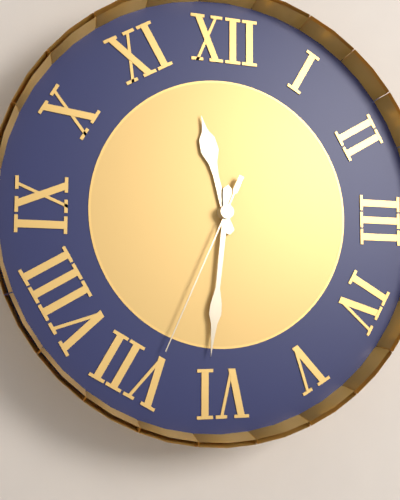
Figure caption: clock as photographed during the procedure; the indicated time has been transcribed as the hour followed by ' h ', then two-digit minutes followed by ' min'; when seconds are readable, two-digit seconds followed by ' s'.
11 h 31 min 34 s
